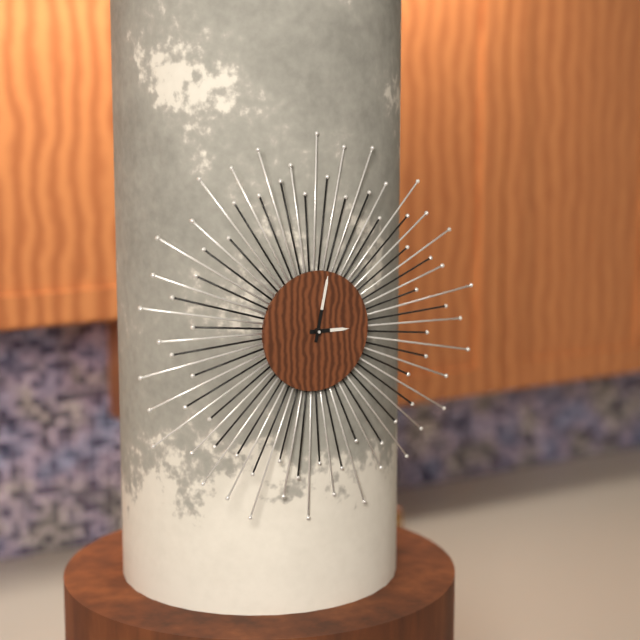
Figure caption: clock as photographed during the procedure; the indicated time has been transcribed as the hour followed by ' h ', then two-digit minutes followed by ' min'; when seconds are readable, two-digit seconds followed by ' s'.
3 h 02 min
